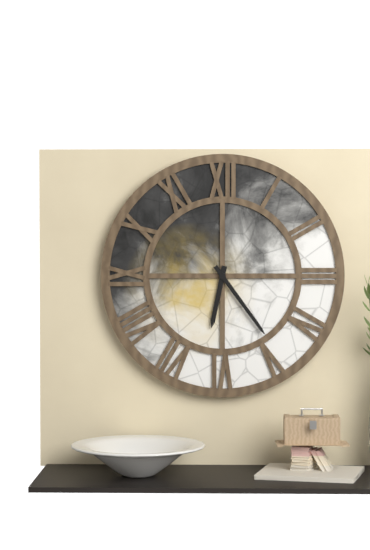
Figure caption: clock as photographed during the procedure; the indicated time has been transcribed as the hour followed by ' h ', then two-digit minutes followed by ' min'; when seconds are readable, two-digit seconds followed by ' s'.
6 h 24 min
